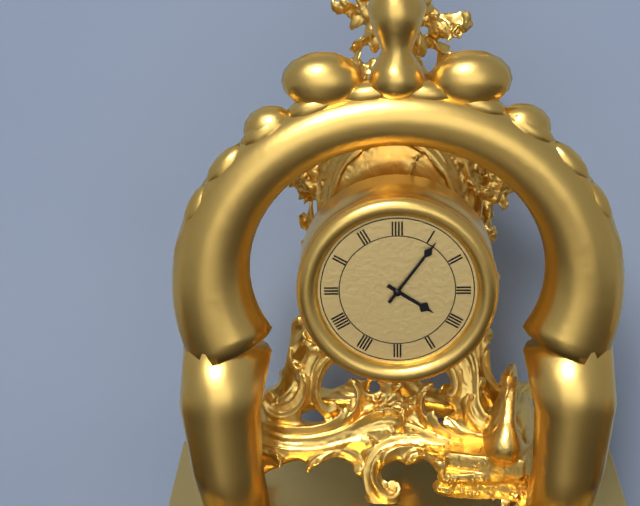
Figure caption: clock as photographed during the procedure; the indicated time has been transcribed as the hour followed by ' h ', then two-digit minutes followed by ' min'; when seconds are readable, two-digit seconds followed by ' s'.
4 h 06 min
